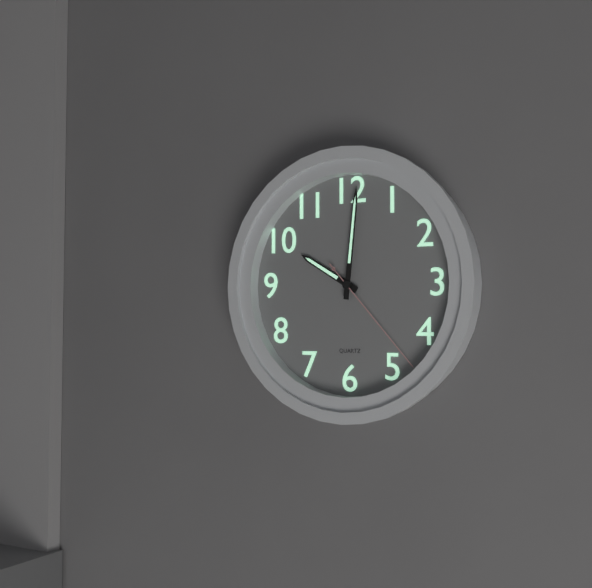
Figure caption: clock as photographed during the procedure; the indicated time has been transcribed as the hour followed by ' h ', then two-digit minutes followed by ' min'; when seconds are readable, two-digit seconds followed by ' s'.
10 h 01 min 23 s
